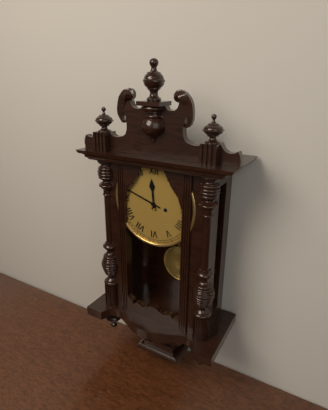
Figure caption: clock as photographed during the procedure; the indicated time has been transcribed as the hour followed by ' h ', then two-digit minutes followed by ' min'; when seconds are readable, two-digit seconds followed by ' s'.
11 h 48 min
